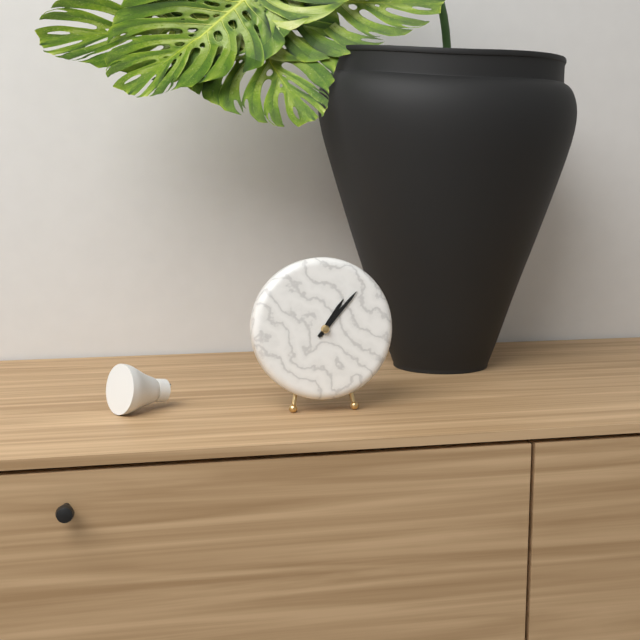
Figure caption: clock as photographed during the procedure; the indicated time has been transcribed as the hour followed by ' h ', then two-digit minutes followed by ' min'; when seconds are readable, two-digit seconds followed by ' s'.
1 h 07 min
